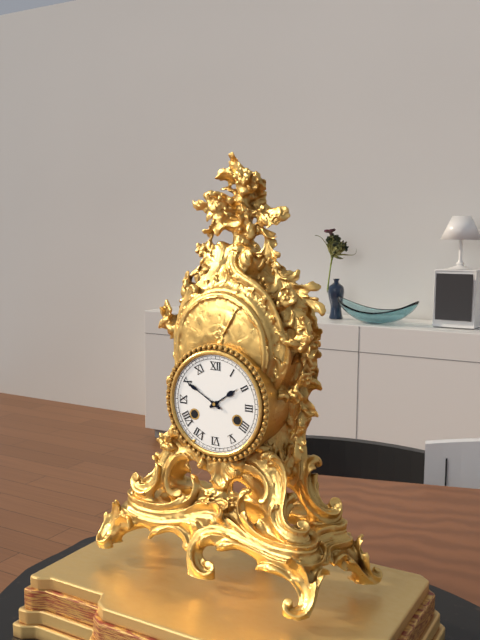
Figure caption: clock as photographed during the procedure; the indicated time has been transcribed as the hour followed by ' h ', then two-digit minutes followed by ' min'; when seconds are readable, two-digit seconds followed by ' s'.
1 h 50 min
